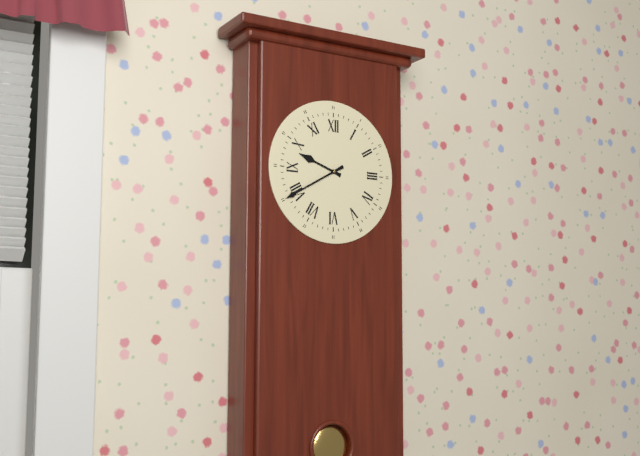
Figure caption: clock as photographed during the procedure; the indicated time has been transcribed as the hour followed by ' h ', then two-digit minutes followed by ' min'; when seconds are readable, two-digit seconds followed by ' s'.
9 h 40 min
